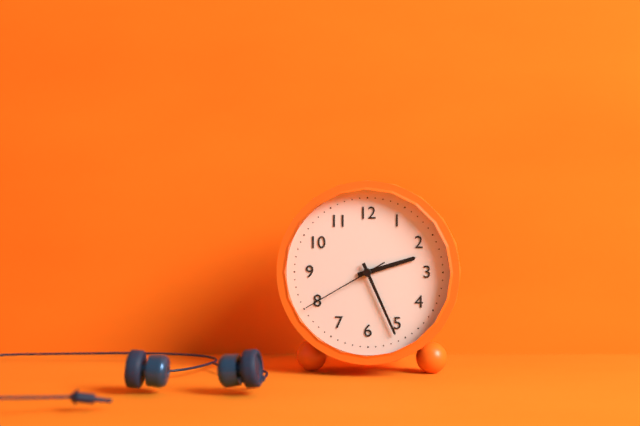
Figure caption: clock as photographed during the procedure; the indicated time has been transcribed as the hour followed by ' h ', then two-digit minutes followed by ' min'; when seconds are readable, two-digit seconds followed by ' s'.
2 h 26 min 40 s
